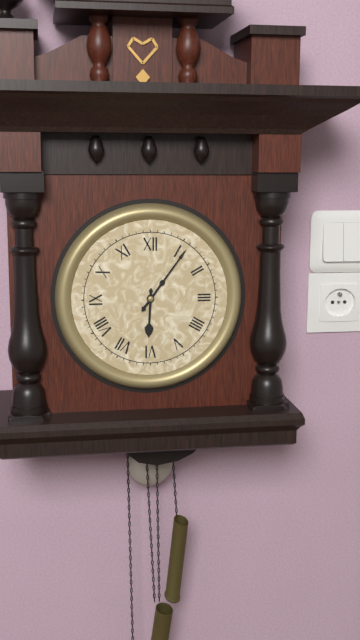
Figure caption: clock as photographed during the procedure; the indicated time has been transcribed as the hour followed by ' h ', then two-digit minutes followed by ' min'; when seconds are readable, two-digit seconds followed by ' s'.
6 h 06 min
